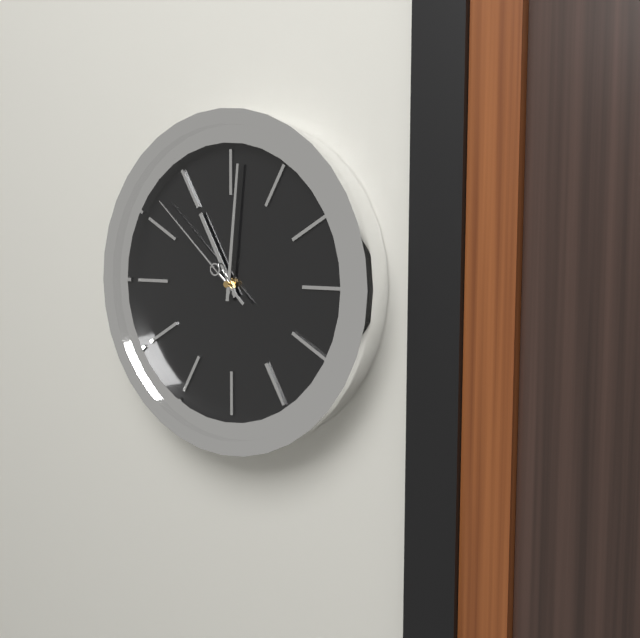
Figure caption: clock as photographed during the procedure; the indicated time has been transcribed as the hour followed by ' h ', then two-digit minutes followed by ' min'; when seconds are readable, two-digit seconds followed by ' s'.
11 h 01 min 52 s
